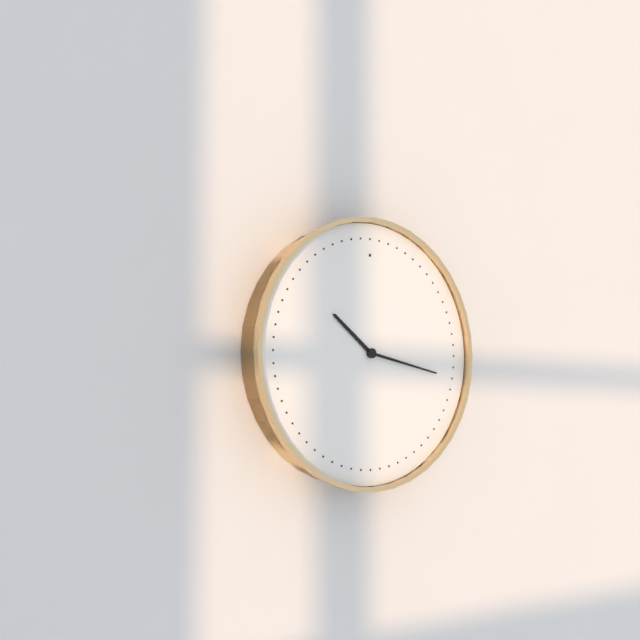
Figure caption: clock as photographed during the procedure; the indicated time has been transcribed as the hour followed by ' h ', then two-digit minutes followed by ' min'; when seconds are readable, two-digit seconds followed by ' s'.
10 h 17 min
